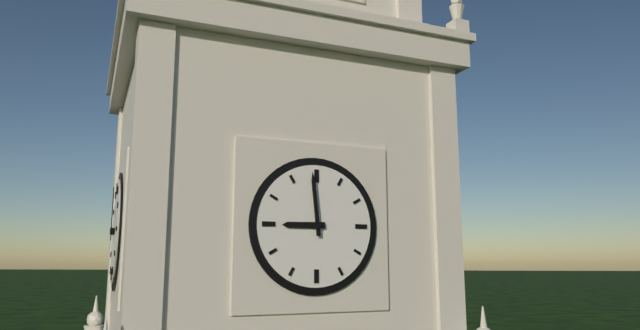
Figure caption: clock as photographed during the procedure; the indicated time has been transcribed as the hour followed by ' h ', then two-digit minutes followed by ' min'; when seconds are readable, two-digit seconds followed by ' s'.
8 h 59 min
